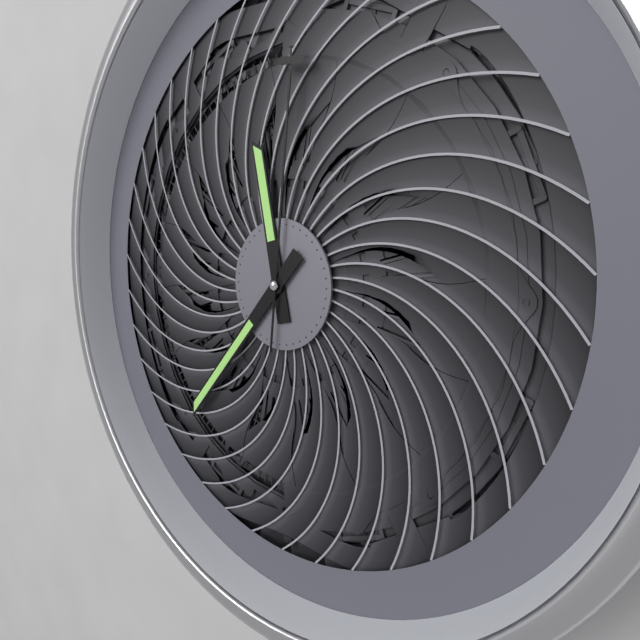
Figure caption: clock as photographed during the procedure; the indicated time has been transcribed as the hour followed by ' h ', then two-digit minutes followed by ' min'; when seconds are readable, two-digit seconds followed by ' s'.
11 h 37 min 01 s
